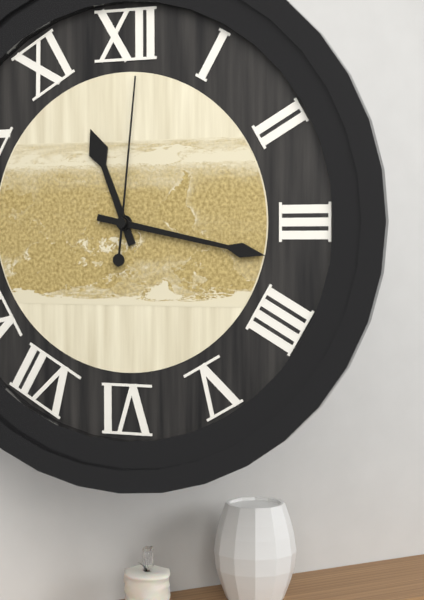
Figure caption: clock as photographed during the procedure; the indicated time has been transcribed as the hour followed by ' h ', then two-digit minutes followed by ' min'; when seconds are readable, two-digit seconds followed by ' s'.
11 h 17 min 01 s
